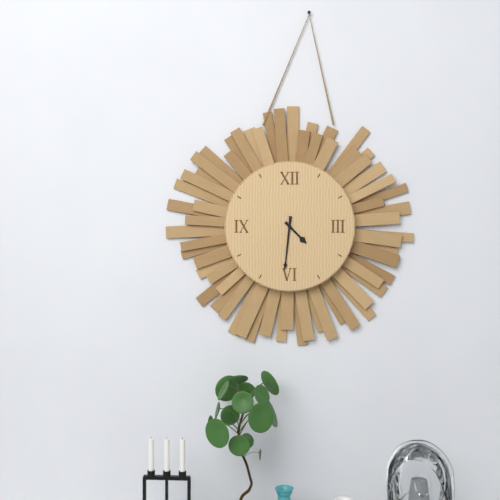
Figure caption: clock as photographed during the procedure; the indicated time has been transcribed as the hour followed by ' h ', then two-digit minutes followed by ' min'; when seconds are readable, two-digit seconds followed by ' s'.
4 h 31 min
